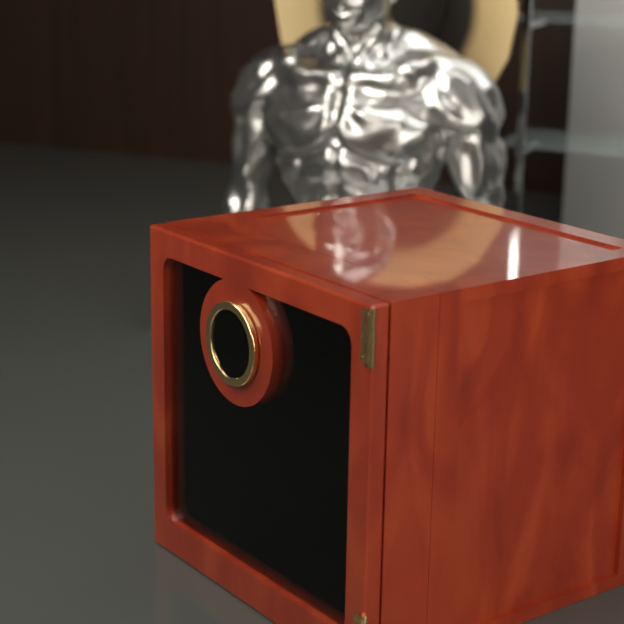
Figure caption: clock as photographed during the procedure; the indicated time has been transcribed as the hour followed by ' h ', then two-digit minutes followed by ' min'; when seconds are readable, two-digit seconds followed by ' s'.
9 h 31 min
